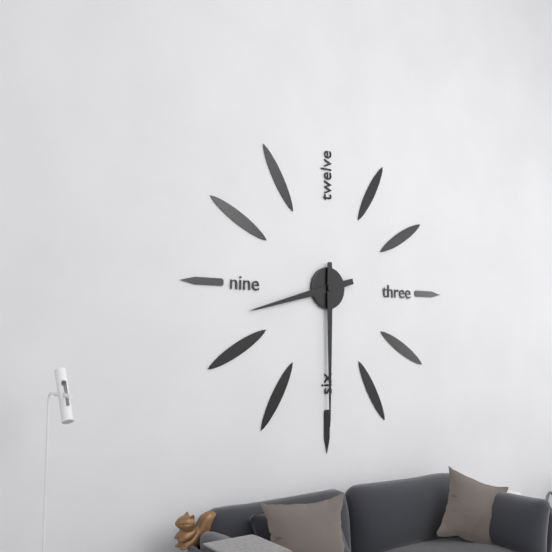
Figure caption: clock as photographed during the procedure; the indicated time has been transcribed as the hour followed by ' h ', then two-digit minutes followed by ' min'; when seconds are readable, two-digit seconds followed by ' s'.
8 h 30 min
